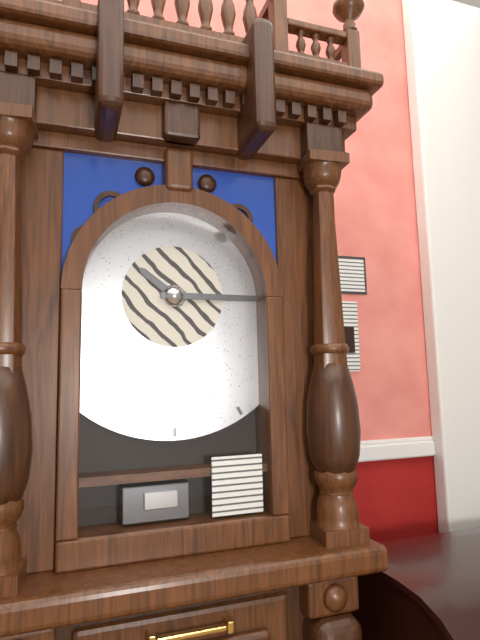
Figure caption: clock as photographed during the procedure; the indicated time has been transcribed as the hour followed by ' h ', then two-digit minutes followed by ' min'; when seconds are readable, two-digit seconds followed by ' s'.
10 h 15 min
